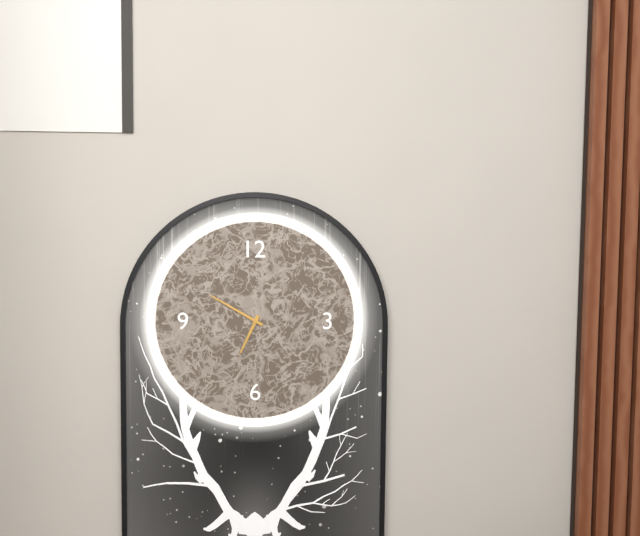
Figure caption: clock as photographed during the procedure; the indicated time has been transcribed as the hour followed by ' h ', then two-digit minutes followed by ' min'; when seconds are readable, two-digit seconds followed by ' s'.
6 h 50 min
